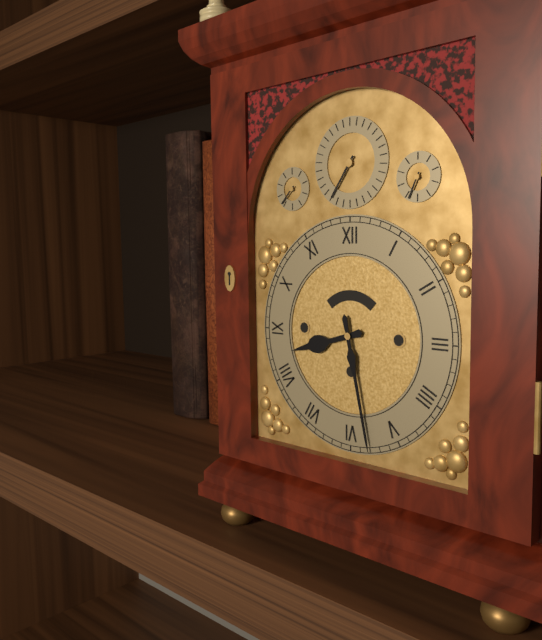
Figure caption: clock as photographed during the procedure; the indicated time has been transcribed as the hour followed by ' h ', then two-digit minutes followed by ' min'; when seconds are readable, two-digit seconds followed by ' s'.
8 h 28 min
